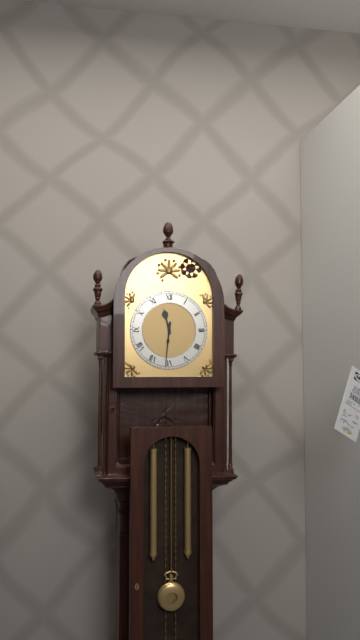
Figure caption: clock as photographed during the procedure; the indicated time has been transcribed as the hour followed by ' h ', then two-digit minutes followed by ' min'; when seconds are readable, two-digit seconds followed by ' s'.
11 h 31 min
